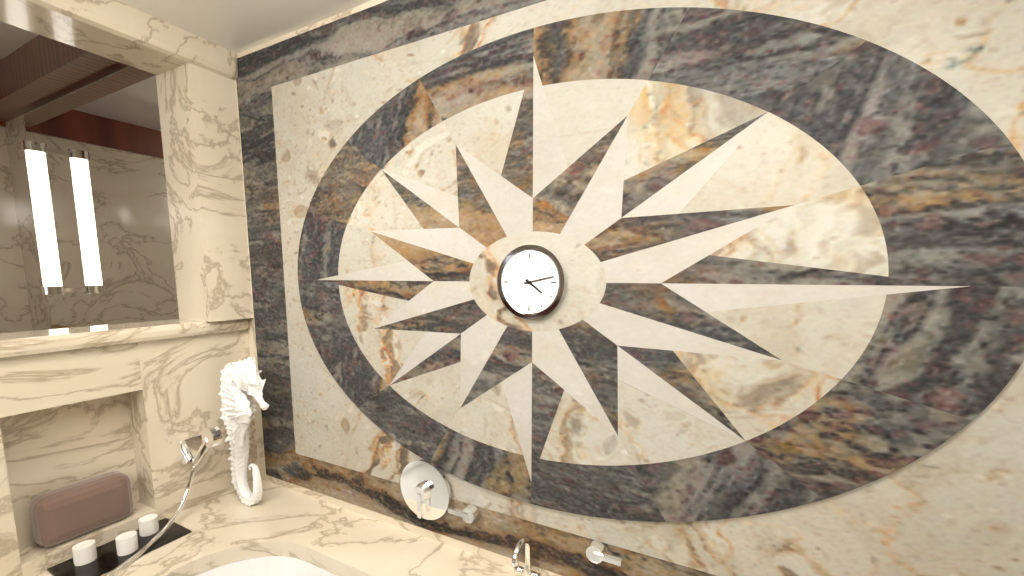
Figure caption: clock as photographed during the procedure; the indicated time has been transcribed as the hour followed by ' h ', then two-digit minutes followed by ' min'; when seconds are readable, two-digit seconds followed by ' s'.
4 h 13 min
